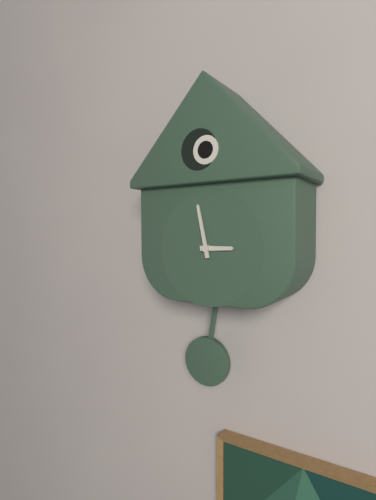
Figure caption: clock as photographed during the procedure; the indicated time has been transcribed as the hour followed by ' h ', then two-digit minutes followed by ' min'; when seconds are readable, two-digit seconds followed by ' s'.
2 h 58 min
